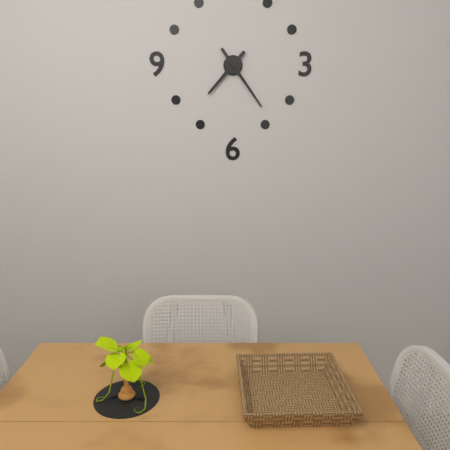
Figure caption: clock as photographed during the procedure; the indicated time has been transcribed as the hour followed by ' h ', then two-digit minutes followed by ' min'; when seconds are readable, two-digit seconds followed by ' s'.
7 h 24 min
